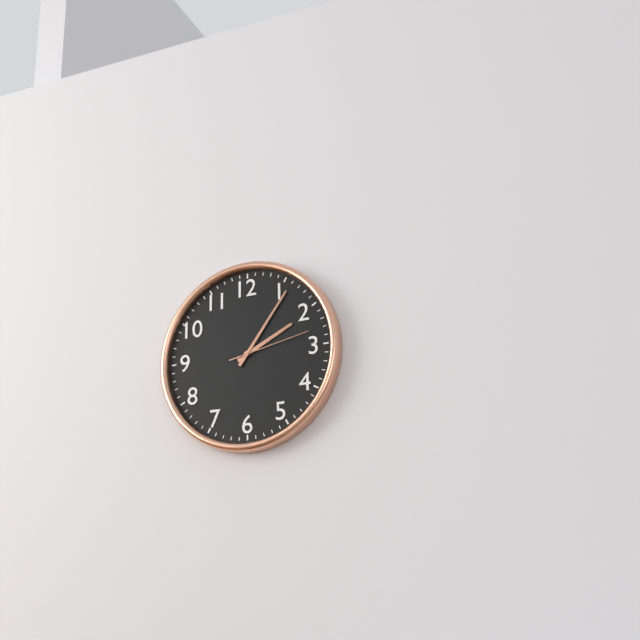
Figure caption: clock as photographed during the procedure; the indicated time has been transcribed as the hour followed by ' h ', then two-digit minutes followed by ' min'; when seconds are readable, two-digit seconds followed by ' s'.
2 h 06 min 13 s
